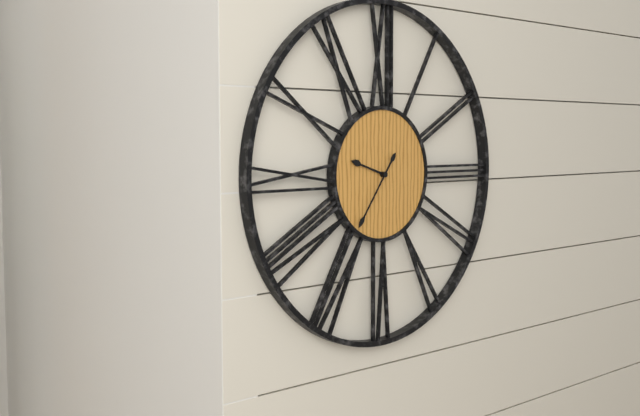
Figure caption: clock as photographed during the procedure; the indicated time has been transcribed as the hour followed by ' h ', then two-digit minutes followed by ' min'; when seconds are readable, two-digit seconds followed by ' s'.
9 h 36 min
